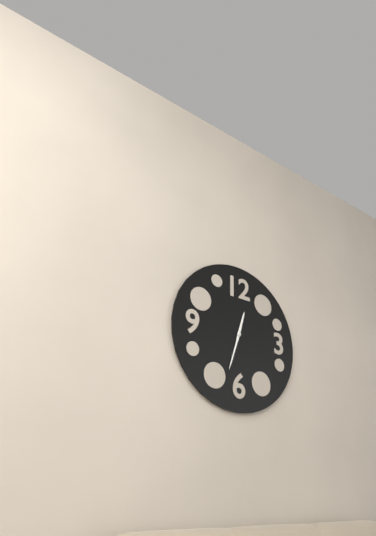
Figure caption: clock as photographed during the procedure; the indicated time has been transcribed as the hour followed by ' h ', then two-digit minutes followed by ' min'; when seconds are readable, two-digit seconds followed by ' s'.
12 h 33 min
